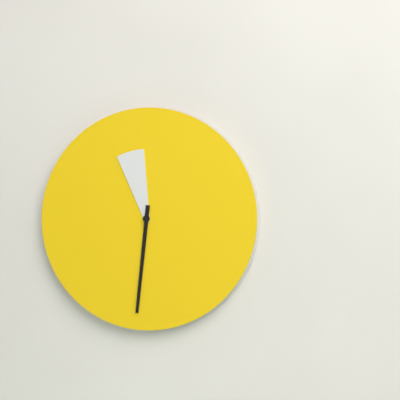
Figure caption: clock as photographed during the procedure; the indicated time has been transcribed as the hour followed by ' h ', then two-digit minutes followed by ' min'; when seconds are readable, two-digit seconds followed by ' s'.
11 h 31 min
